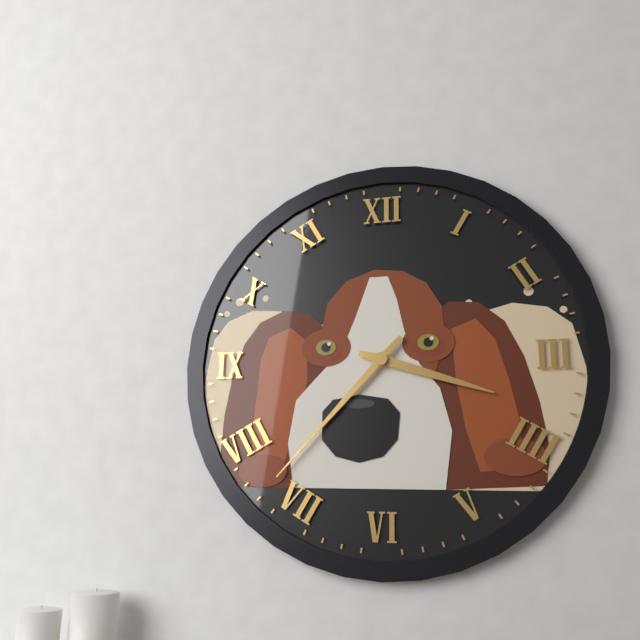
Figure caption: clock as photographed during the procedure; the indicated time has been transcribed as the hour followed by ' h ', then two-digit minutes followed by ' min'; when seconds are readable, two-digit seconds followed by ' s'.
3 h 37 min
